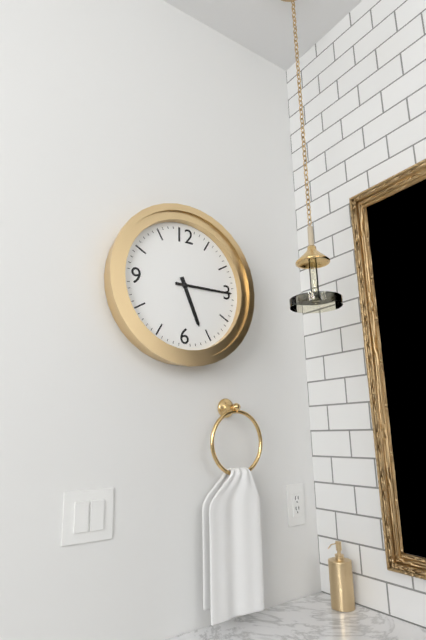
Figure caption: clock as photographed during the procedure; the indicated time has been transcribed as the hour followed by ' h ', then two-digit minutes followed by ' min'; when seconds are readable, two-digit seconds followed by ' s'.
5 h 15 min
